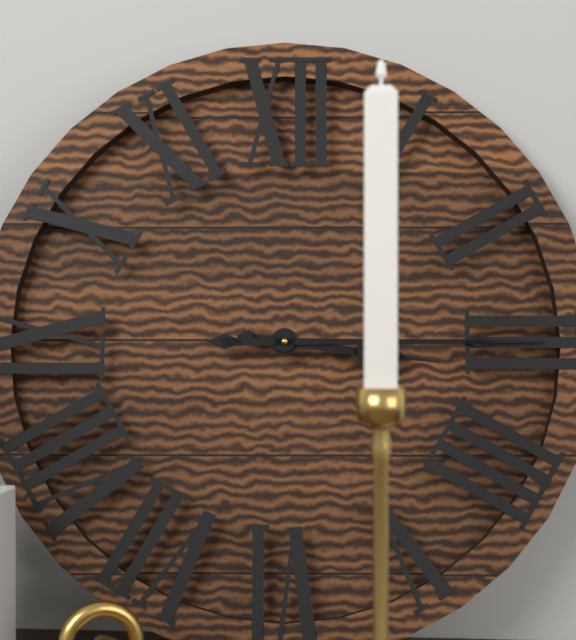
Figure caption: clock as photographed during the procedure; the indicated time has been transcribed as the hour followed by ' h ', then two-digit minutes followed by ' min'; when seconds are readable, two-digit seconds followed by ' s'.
3 h 15 min
